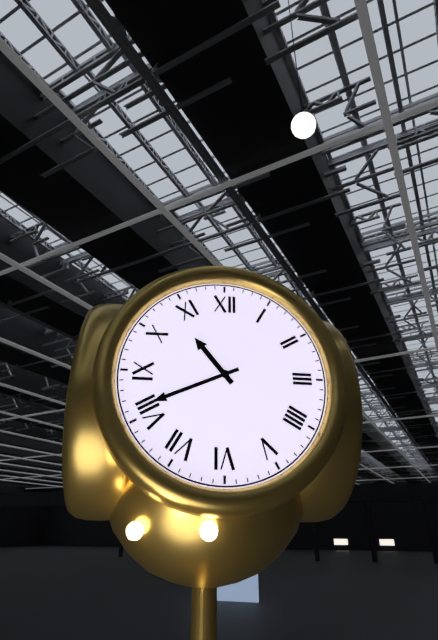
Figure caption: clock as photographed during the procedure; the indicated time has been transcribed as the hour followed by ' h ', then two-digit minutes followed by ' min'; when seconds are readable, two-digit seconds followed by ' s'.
10 h 41 min
